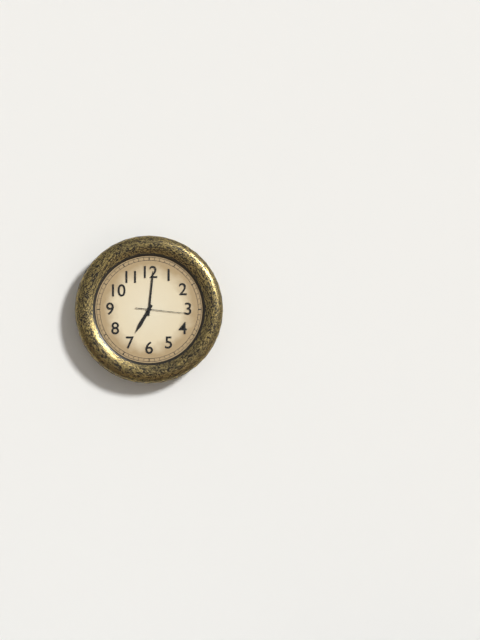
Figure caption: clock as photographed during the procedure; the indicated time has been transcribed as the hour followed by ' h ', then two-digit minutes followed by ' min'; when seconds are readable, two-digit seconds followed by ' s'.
7 h 01 min 16 s
